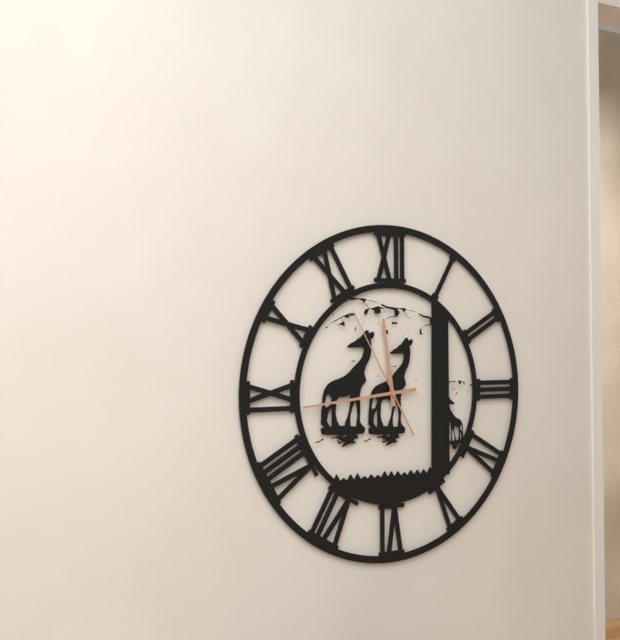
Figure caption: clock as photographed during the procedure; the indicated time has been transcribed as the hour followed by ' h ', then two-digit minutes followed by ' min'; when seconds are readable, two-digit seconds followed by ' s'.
11 h 44 min 55 s
